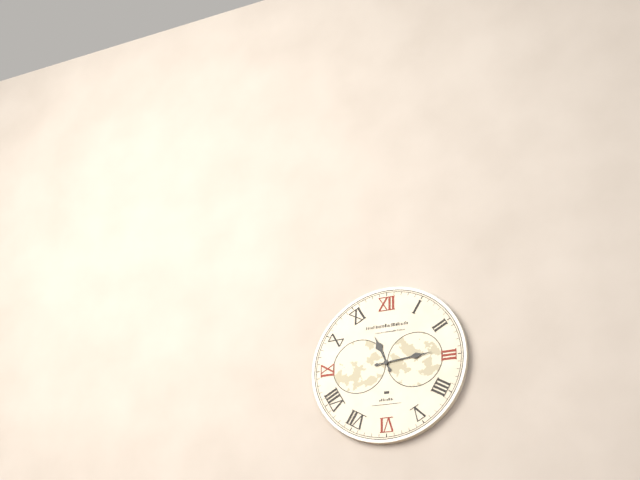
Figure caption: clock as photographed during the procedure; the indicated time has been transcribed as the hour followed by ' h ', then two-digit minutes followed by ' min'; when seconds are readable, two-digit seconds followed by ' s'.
11 h 14 min
